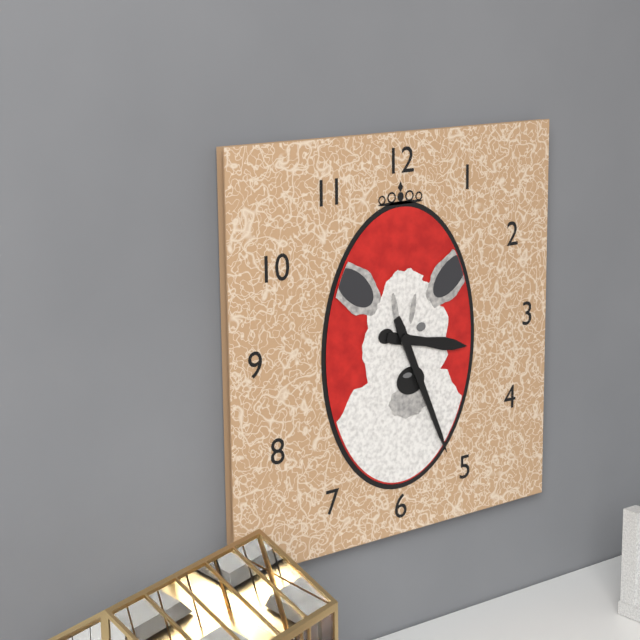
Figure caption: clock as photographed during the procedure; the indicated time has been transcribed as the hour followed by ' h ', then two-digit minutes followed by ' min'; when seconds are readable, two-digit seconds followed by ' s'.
3 h 26 min
